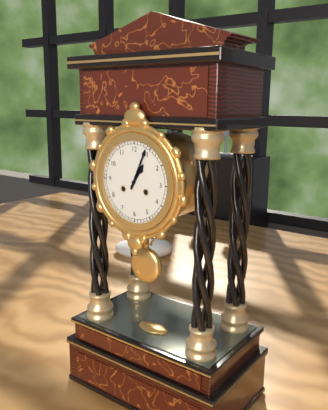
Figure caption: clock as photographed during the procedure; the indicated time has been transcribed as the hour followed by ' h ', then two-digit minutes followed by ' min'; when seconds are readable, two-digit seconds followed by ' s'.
1 h 04 min
